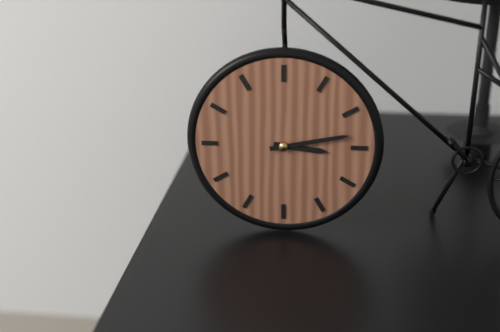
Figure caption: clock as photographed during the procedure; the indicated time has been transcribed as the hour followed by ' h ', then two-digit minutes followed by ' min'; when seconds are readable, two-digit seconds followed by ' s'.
3 h 13 min
